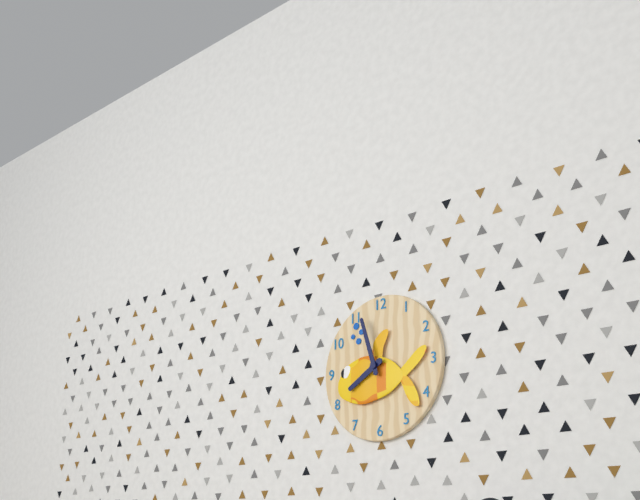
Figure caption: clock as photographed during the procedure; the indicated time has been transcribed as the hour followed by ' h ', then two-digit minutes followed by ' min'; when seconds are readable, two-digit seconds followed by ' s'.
7 h 57 min
